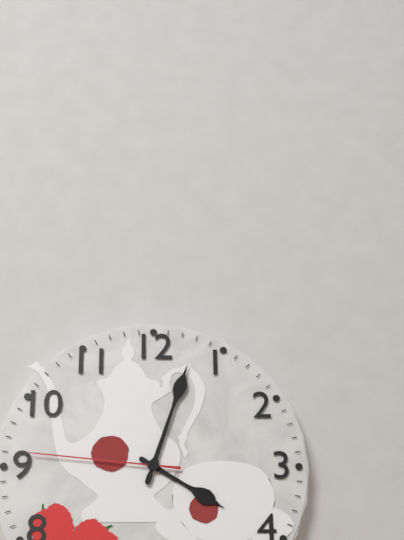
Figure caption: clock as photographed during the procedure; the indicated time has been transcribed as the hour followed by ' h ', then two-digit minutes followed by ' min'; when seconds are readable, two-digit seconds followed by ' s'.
4 h 03 min 46 s
